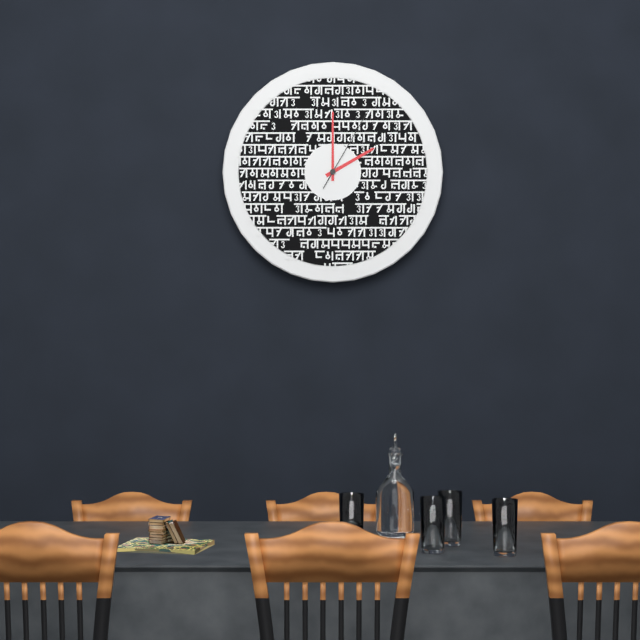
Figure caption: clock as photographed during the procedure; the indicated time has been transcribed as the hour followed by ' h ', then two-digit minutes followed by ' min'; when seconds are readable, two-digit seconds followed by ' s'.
2 h 00 min 05 s
